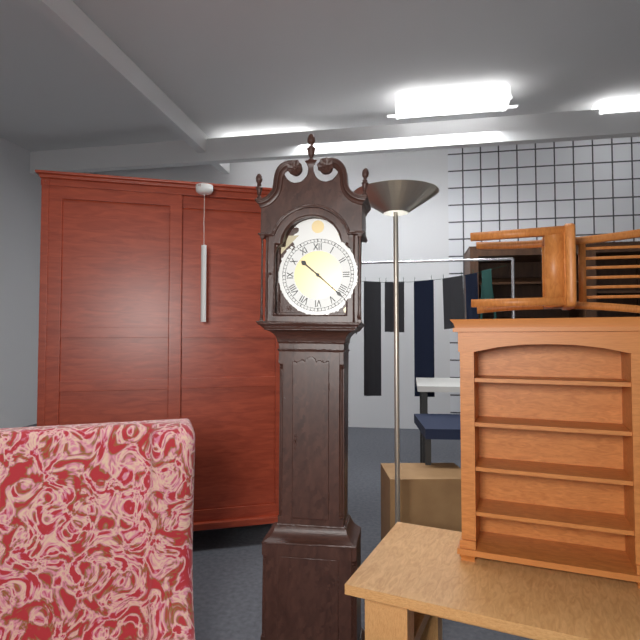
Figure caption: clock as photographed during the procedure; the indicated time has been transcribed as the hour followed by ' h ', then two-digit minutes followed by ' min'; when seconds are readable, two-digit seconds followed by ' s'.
10 h 22 min
